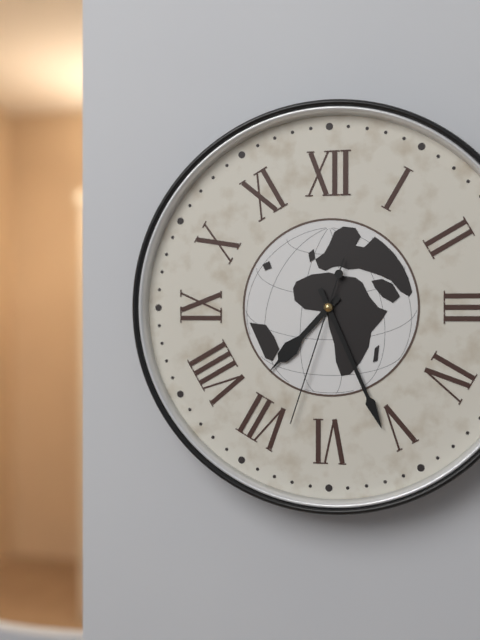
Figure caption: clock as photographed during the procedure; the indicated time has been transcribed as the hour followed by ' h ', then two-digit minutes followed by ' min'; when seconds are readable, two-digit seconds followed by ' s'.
7 h 26 min 33 s
